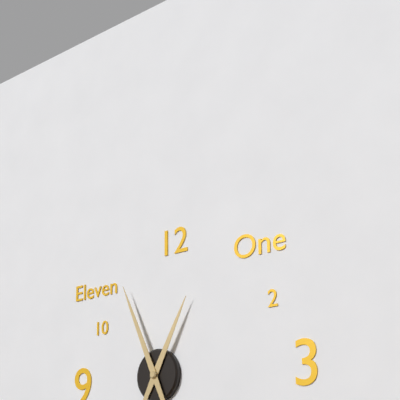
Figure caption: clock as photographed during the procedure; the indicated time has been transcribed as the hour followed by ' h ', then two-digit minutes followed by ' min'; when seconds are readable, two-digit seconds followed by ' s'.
12 h 56 min
